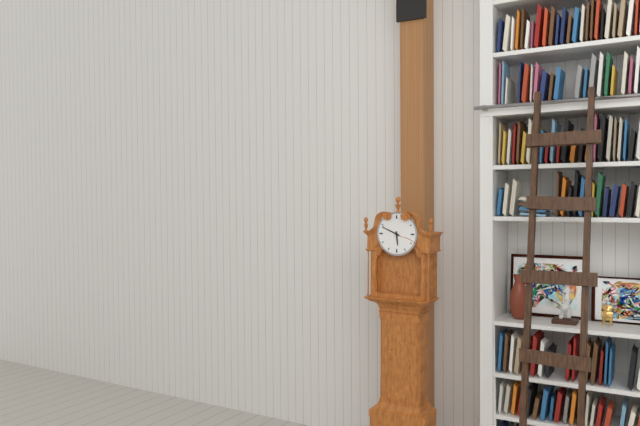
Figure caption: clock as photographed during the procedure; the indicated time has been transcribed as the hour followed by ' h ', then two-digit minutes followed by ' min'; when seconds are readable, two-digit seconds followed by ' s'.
5 h 49 min
